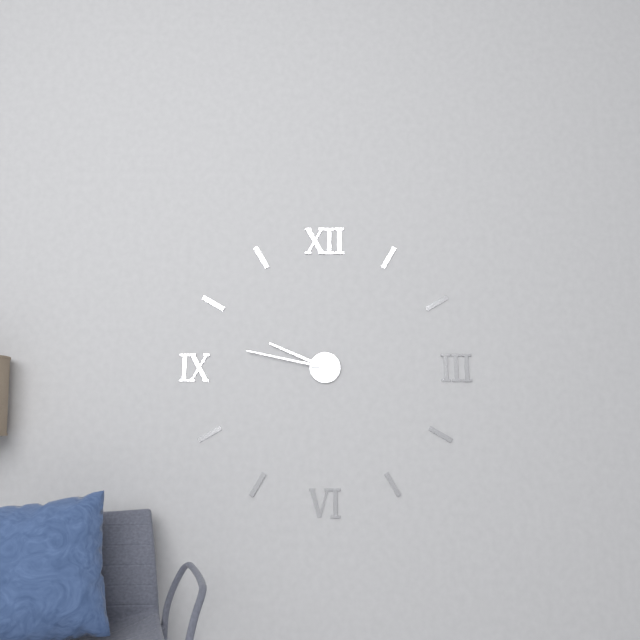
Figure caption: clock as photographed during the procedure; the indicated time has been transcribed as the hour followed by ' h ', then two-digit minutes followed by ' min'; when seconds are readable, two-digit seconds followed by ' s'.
9 h 47 min
